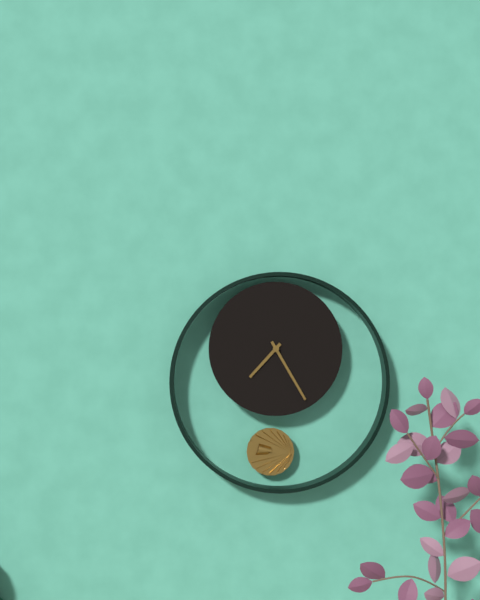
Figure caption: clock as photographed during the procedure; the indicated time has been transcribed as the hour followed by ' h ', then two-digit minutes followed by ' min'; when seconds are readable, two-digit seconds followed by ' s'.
7 h 25 min
